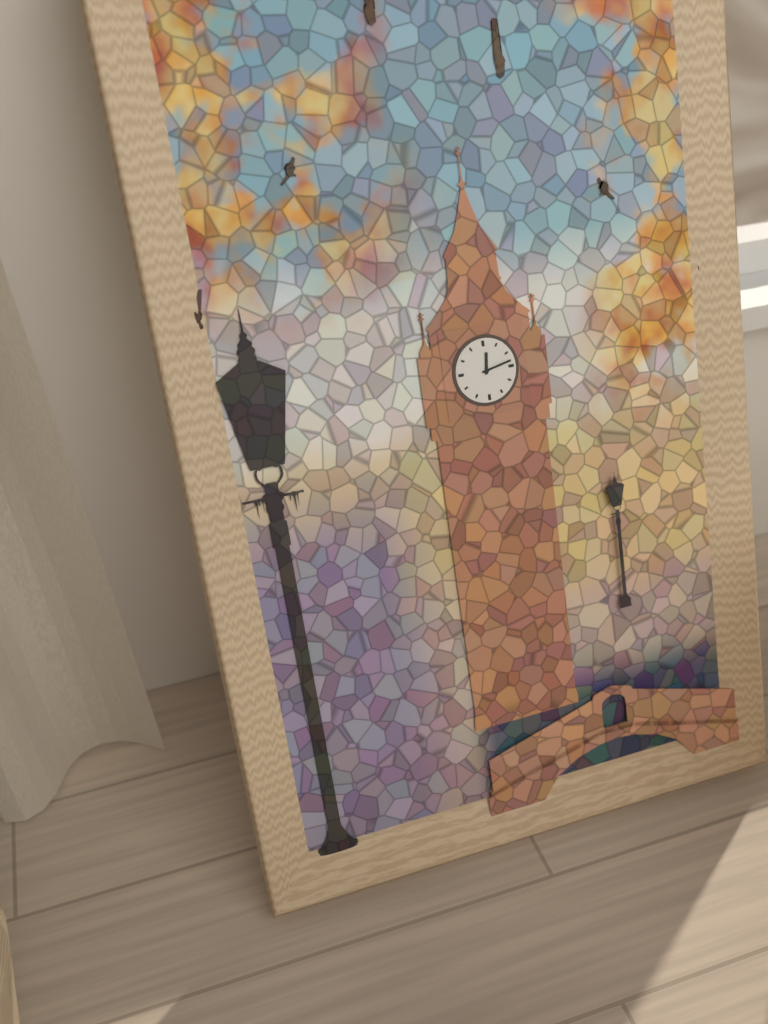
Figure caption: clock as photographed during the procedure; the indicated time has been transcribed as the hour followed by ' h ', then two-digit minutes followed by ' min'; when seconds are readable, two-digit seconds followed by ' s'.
12 h 13 min
